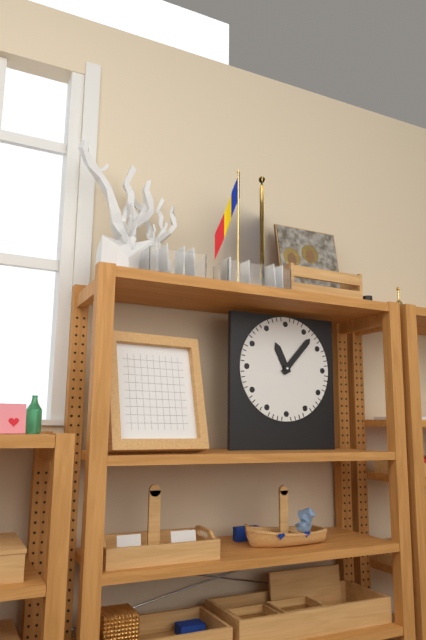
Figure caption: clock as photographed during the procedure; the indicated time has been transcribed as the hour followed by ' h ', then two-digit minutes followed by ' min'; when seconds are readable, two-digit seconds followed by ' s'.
11 h 07 min
